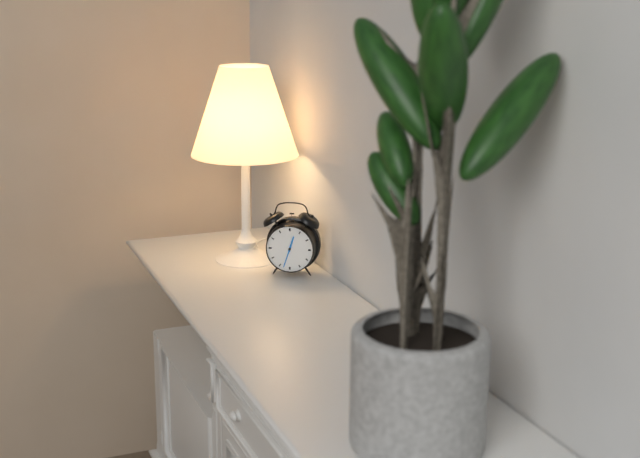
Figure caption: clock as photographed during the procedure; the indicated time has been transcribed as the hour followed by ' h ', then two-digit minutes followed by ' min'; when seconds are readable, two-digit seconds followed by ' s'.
12 h 33 min
